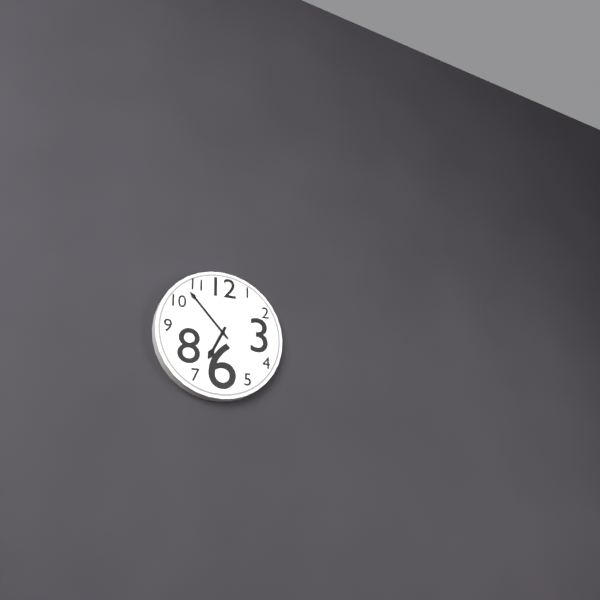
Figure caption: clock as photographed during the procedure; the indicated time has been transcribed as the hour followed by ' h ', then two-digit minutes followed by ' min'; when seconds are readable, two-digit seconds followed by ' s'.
6 h 53 min
